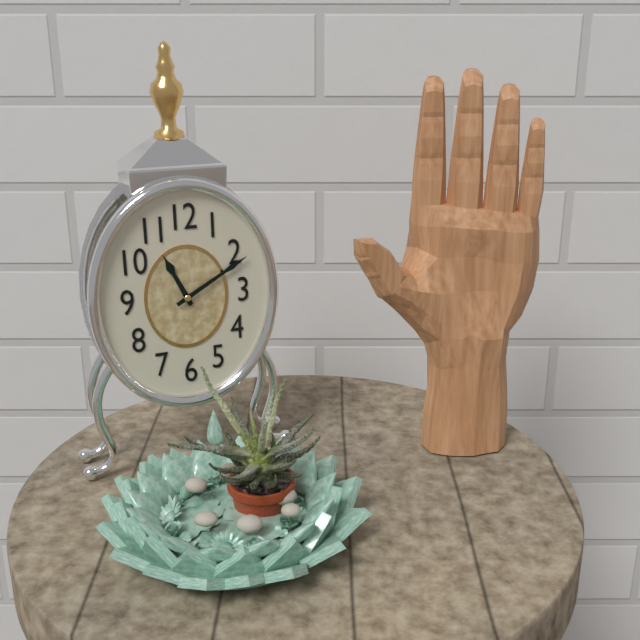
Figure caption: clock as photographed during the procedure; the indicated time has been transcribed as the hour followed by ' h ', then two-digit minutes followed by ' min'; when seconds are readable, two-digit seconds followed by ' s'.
11 h 10 min
